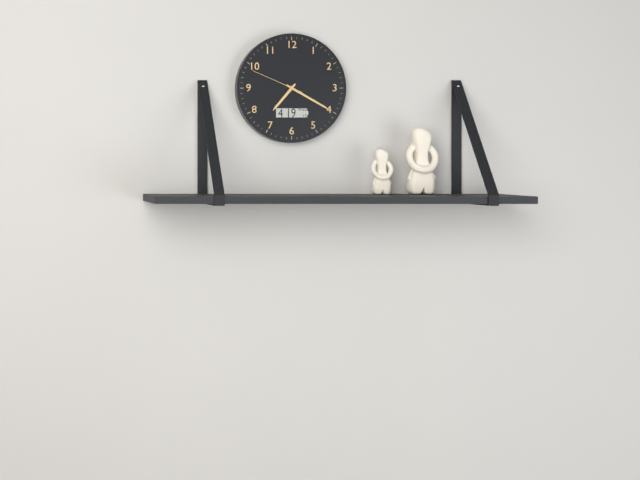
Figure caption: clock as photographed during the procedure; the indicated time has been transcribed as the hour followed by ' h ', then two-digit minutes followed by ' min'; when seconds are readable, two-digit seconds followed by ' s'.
7 h 20 min 49 s
